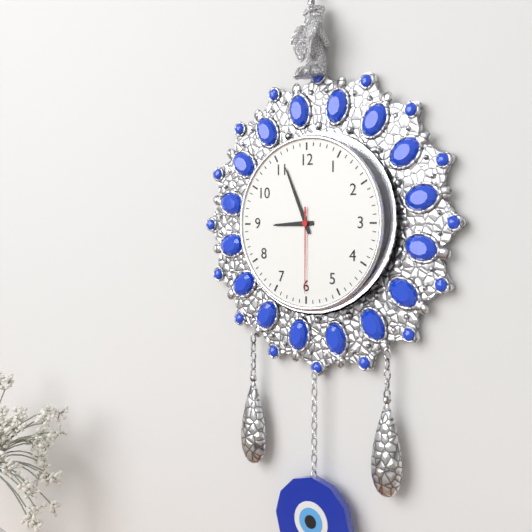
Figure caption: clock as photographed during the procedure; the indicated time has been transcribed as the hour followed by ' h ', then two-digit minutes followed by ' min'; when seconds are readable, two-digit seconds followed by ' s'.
8 h 56 min 30 s
